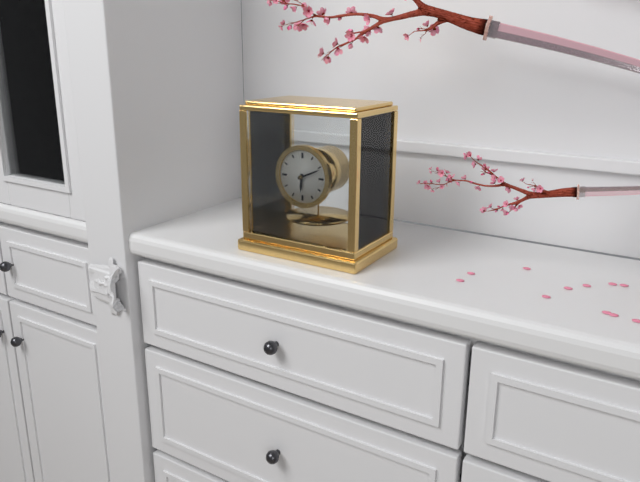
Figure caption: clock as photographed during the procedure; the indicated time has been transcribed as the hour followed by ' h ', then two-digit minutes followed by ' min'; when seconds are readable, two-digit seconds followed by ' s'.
6 h 11 min
